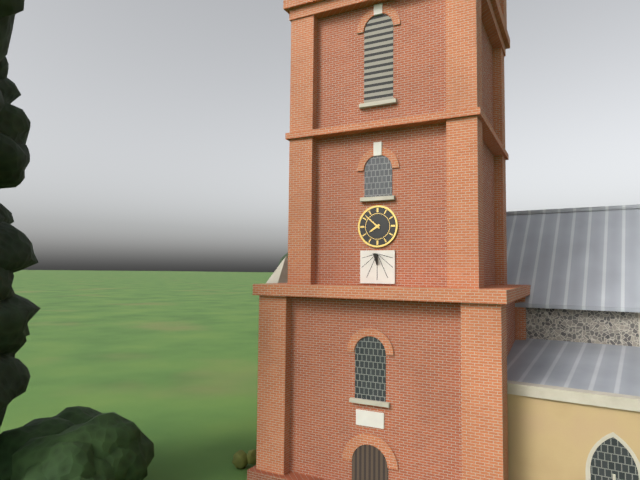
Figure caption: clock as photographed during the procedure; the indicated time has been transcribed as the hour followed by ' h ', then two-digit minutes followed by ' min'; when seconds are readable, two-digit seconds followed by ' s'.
7 h 52 min
